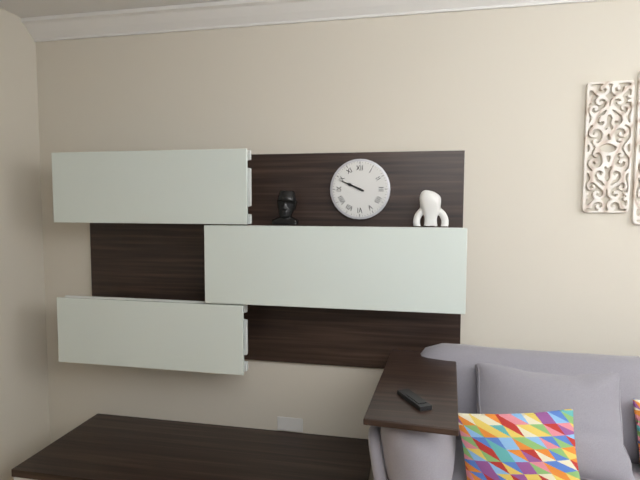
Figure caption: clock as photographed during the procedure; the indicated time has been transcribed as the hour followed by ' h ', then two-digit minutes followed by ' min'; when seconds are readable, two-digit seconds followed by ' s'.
9 h 49 min
